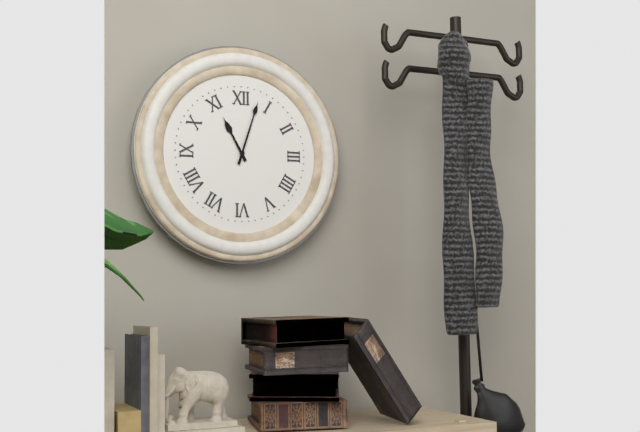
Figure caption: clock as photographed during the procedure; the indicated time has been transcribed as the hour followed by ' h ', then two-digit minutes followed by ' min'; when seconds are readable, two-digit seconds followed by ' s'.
11 h 03 min
